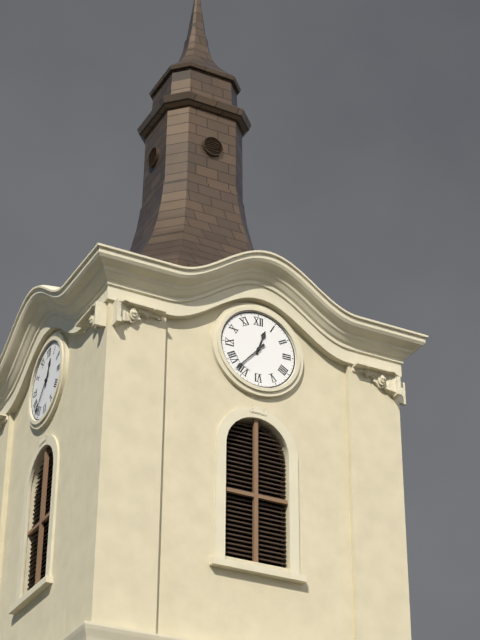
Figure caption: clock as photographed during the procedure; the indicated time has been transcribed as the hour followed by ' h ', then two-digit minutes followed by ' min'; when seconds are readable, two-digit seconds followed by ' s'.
12 h 37 min
